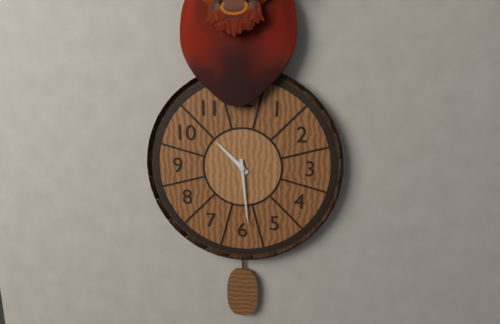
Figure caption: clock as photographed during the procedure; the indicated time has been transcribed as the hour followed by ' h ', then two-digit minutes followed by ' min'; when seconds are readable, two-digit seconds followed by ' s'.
10 h 29 min
